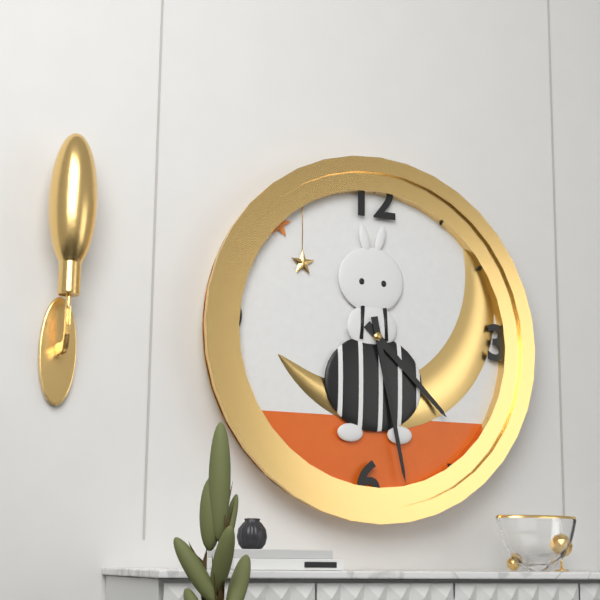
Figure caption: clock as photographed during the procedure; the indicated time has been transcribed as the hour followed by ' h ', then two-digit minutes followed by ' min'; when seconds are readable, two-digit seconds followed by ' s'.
4 h 28 min
